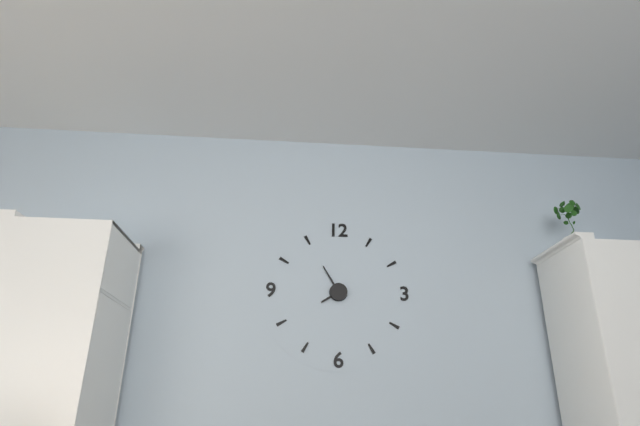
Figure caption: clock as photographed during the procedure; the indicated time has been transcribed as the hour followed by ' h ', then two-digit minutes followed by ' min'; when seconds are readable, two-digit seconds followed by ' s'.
7 h 55 min
